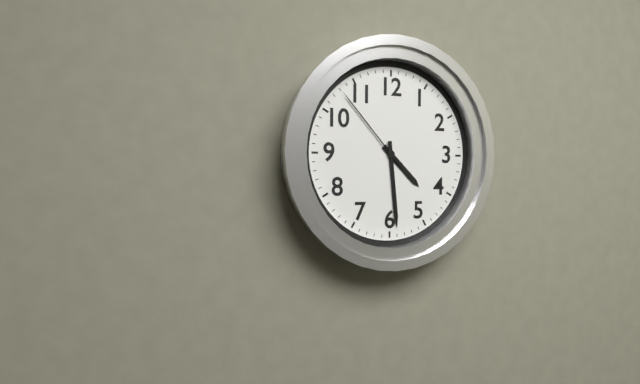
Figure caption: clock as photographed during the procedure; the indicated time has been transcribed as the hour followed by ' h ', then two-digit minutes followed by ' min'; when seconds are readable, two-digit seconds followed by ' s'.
4 h 29 min 53 s
